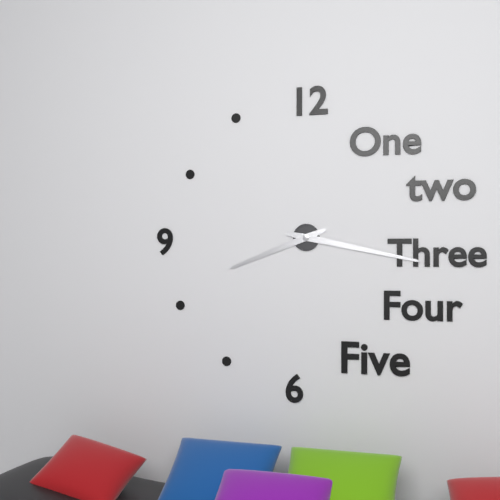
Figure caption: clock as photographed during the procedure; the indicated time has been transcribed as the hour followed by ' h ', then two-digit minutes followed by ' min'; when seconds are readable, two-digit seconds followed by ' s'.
8 h 17 min
